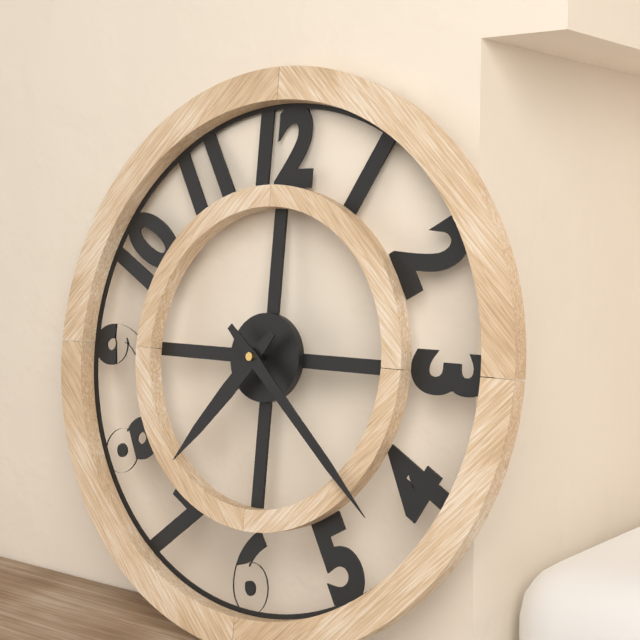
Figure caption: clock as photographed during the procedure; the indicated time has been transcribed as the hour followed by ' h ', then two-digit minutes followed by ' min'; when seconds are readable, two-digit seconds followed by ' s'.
7 h 22 min
